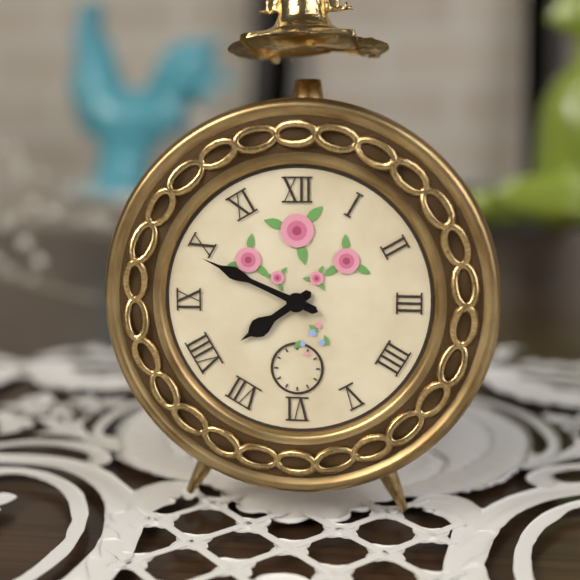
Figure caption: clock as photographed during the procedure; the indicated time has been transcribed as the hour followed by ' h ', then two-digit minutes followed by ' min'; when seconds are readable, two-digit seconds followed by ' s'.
7 h 49 min
